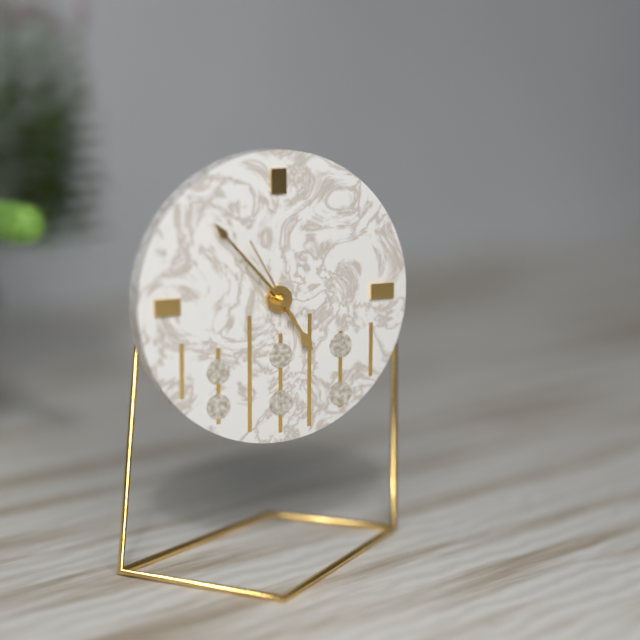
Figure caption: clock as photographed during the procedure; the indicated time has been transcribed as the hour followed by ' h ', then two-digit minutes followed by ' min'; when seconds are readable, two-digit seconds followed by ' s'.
4 h 53 min 55 s
